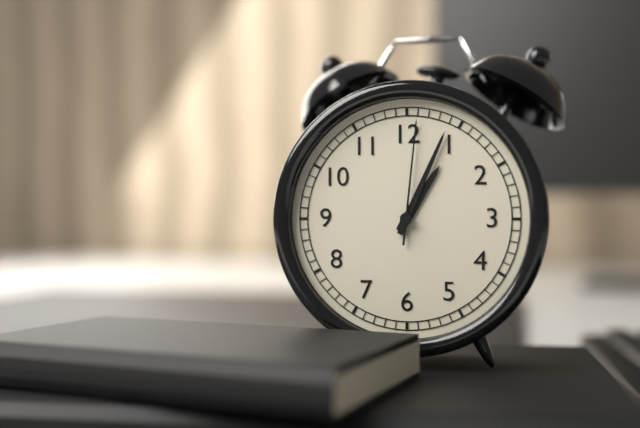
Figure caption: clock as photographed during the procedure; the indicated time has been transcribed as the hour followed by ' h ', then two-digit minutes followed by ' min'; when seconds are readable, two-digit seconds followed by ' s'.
1 h 04 min 01 s
